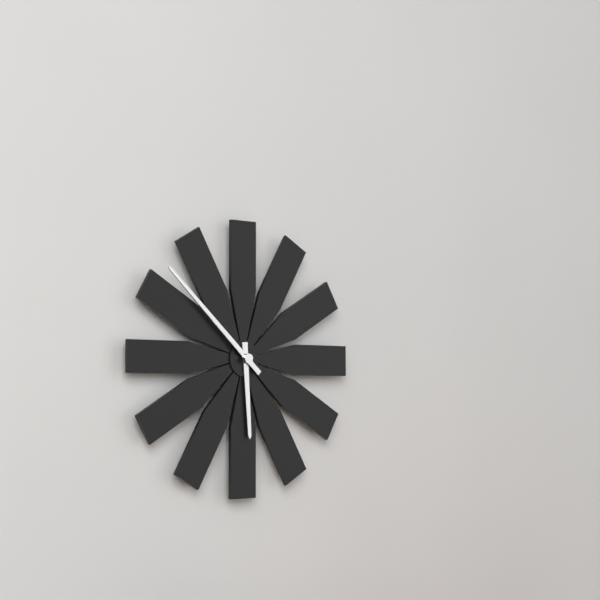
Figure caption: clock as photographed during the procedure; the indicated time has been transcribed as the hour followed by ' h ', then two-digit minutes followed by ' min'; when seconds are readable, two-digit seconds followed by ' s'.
5 h 52 min
